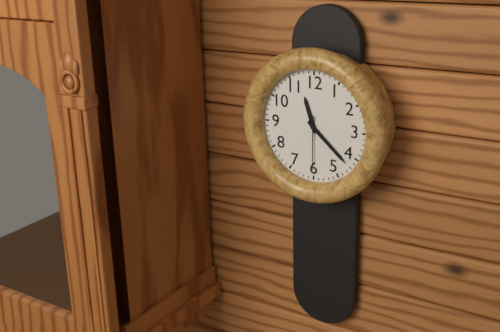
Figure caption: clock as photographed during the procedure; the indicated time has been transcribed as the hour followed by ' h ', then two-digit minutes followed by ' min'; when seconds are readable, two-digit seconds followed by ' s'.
11 h 22 min 30 s
